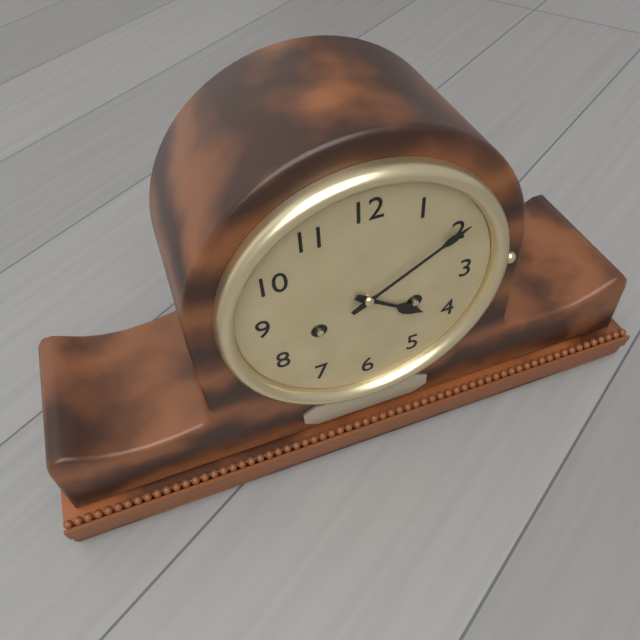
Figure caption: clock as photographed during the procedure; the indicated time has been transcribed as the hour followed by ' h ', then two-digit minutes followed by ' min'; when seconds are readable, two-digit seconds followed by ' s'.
4 h 10 min
